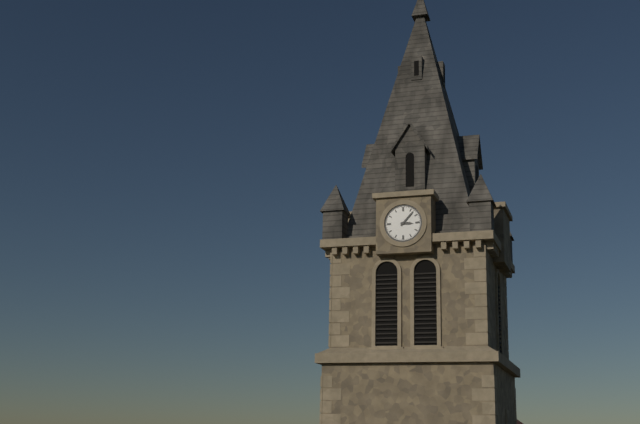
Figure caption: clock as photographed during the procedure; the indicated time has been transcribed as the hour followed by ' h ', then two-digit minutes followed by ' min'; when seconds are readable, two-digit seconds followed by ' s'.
3 h 07 min
